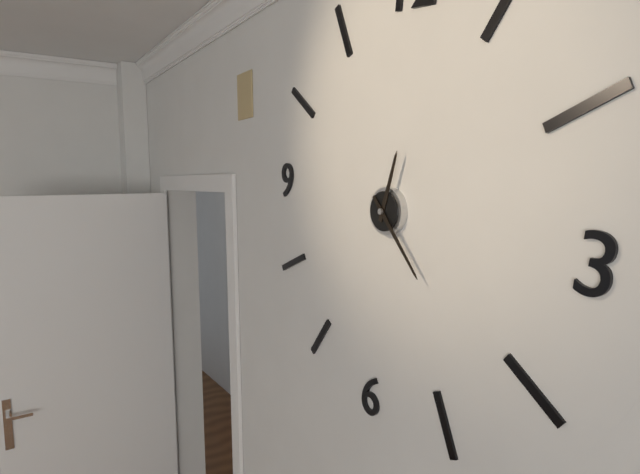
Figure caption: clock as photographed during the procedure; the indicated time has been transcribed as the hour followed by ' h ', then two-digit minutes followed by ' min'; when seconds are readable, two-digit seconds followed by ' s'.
12 h 22 min
